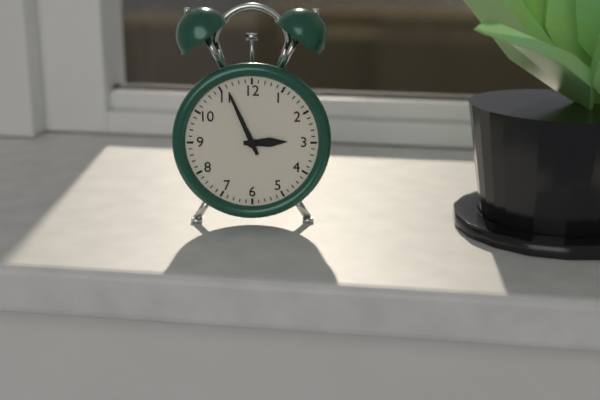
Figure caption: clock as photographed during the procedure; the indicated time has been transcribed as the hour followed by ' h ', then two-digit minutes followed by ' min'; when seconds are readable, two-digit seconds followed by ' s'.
2 h 56 min
